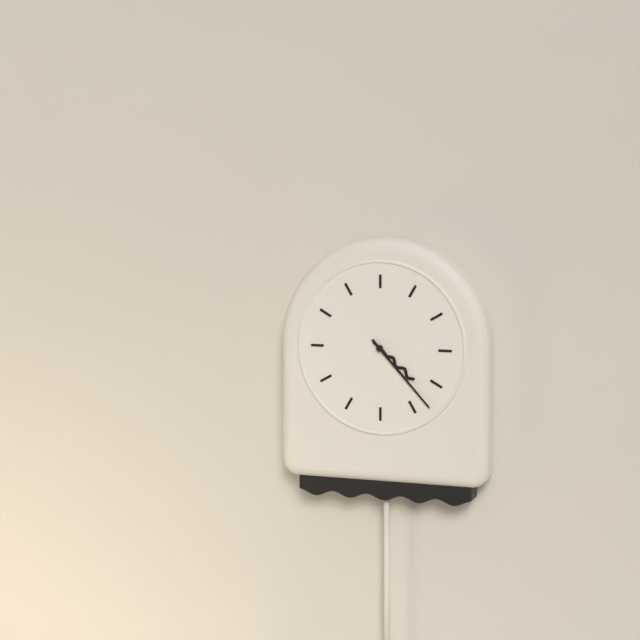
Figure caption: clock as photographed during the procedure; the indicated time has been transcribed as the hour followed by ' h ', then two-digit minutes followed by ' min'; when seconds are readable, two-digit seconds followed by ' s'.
4 h 23 min
